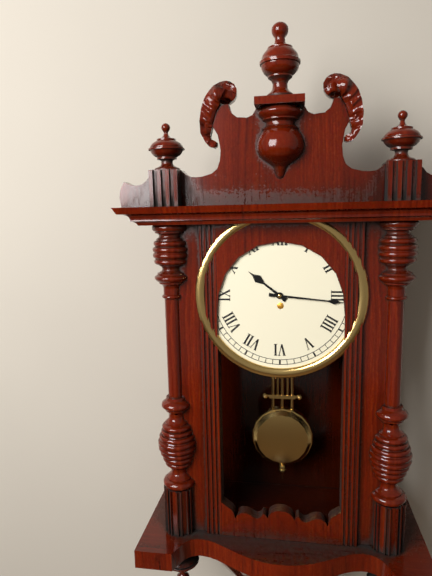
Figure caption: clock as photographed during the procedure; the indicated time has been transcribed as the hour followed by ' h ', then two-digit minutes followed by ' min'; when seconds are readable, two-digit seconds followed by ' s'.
10 h 16 min
